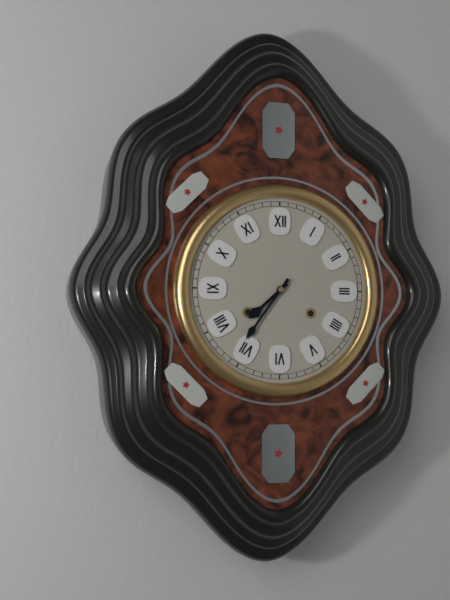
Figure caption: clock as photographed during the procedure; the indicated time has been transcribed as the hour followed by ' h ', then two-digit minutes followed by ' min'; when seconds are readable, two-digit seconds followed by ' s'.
7 h 36 min
